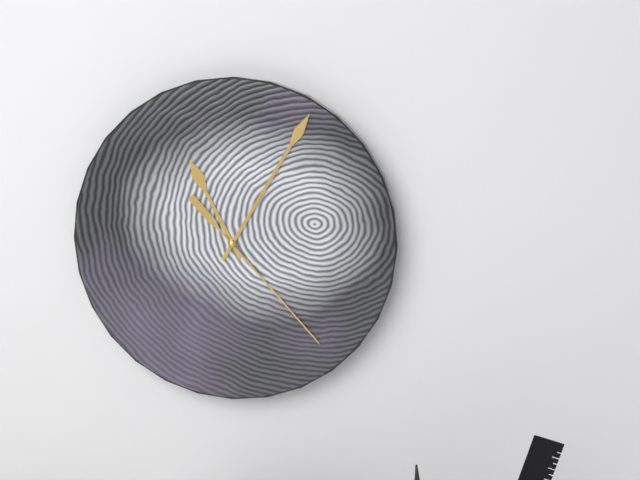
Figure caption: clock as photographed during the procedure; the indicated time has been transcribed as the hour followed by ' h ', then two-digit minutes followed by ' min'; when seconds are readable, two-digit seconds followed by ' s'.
11 h 05 min 23 s
